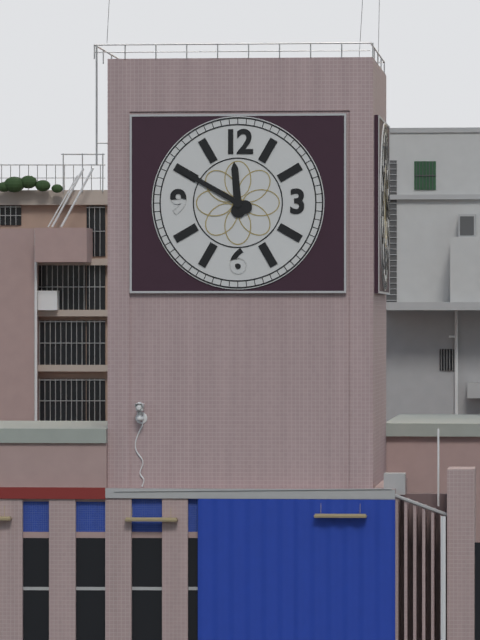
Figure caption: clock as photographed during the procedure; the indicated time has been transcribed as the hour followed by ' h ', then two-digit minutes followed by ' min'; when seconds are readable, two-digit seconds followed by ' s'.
11 h 50 min
